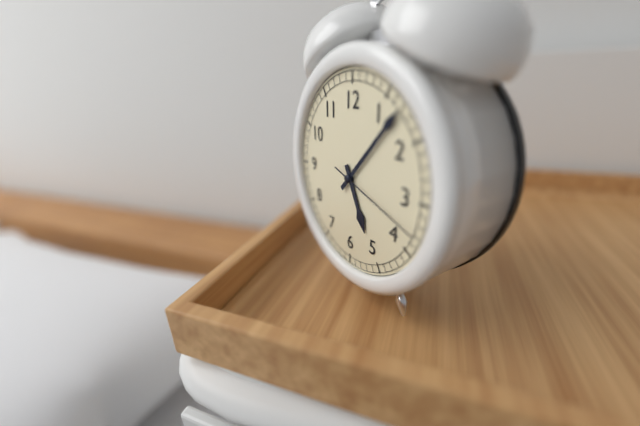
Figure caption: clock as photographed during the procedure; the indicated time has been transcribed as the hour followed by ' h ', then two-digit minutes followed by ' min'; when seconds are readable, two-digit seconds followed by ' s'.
5 h 07 min 18 s
